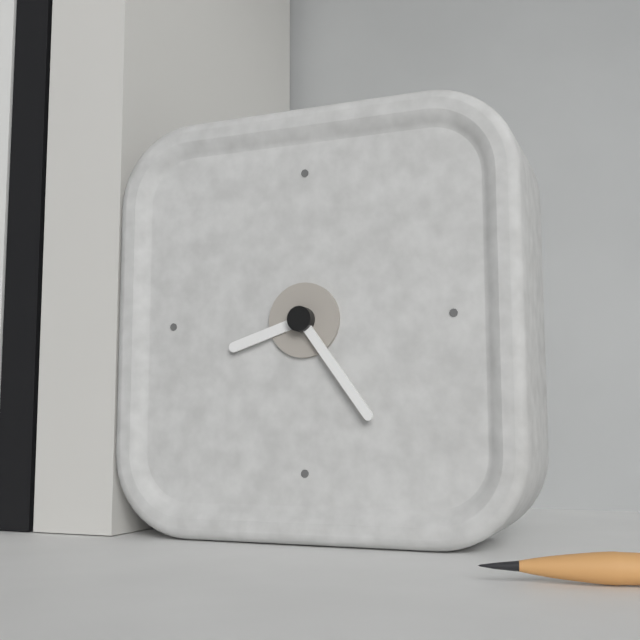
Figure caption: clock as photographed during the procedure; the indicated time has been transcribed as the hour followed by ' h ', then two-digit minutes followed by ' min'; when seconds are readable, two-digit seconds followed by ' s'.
8 h 24 min
